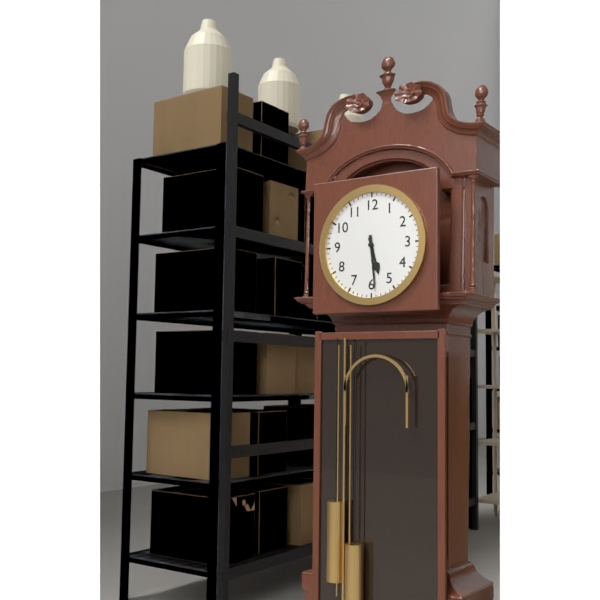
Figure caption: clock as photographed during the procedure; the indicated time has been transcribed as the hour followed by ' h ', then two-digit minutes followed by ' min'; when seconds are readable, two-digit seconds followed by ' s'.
5 h 29 min
